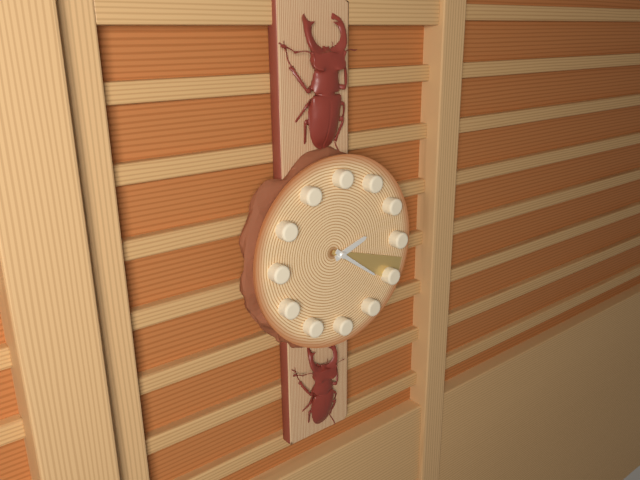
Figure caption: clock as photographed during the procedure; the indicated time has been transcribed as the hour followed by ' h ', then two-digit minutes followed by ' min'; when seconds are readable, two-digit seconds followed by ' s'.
2 h 21 min 19 s
